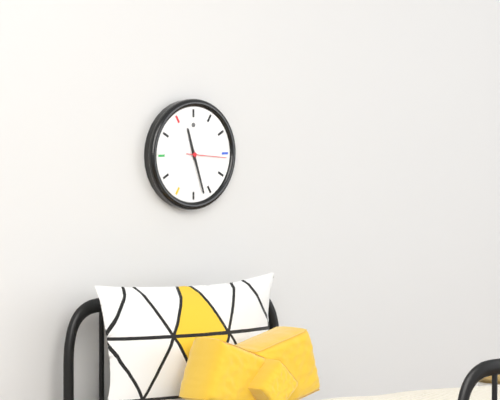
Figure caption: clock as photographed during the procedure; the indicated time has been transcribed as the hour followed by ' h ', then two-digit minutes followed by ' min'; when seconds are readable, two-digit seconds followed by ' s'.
11 h 27 min
